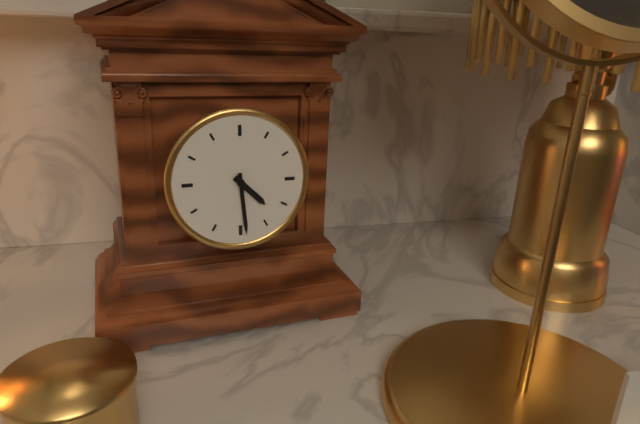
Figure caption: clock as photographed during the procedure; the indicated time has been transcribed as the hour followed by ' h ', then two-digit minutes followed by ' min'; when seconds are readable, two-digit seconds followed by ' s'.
4 h 29 min
